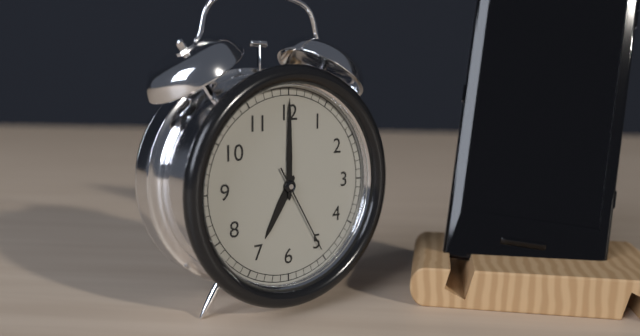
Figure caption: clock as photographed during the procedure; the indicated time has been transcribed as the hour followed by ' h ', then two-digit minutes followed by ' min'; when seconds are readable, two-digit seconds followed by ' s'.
7 h 00 min 25 s
